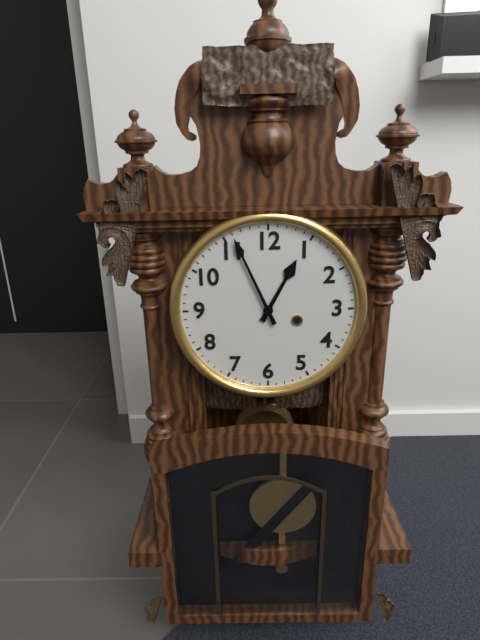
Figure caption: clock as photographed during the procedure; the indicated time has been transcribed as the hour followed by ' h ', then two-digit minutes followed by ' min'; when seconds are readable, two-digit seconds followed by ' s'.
12 h 56 min
